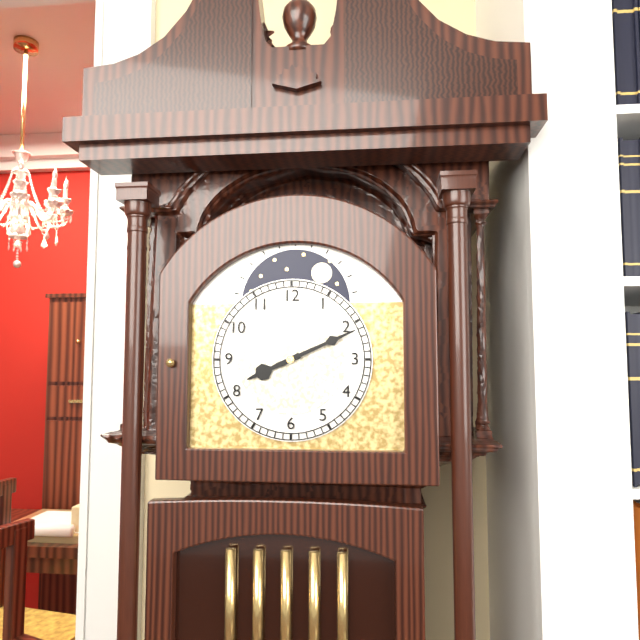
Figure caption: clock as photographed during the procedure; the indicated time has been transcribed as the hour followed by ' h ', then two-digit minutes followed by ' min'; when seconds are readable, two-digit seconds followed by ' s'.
8 h 11 min
